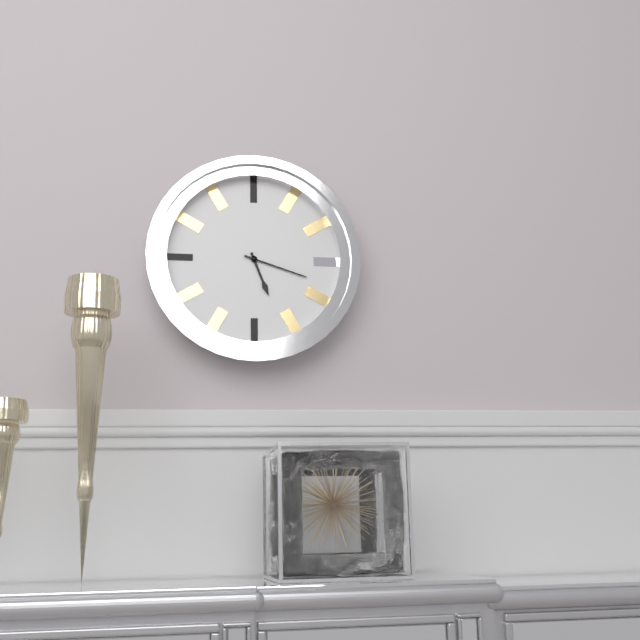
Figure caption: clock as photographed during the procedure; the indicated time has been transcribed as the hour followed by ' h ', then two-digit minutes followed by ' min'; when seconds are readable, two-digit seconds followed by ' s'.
5 h 18 min
